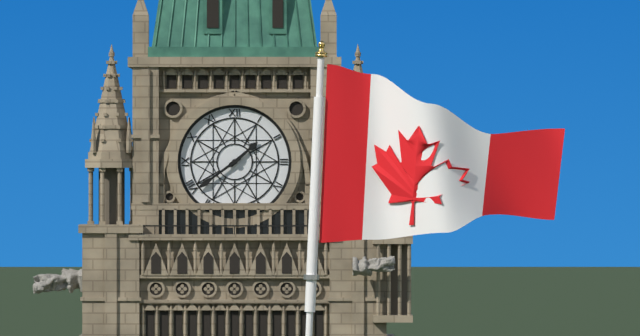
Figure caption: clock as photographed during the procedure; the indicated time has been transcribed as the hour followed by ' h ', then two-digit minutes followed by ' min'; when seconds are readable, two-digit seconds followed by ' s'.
1 h 39 min
